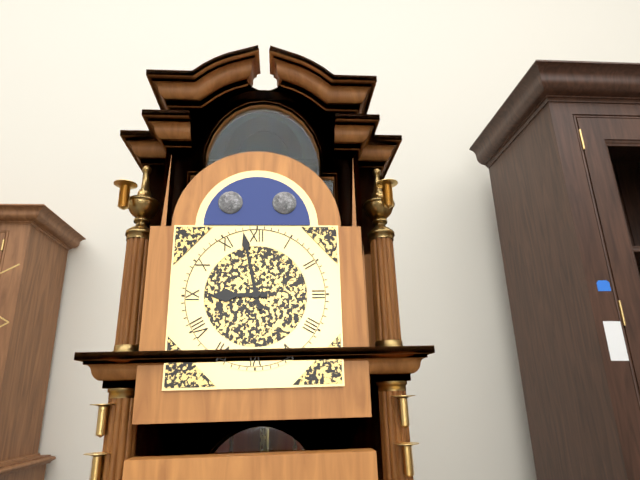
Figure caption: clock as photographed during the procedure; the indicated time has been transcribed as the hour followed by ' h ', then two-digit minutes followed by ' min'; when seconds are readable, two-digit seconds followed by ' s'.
8 h 58 min
